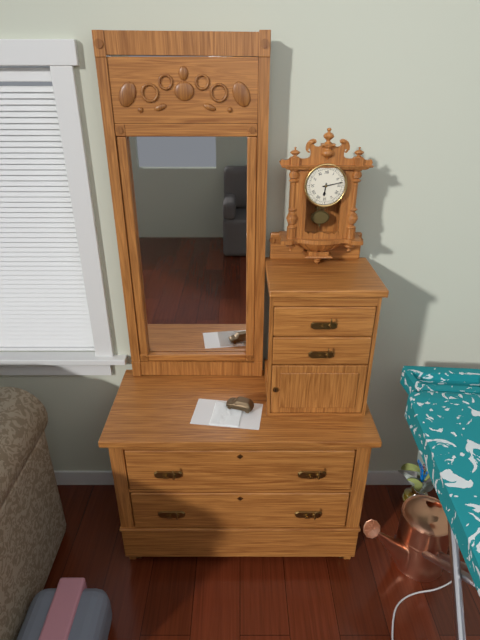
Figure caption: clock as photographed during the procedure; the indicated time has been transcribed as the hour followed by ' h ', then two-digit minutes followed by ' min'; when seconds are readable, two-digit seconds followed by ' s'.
6 h 13 min
